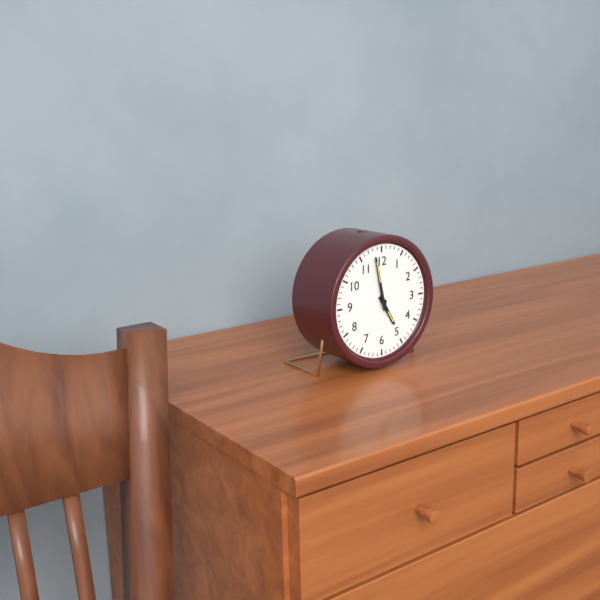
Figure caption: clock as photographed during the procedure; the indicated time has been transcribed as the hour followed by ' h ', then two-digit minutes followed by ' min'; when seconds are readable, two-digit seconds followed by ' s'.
4 h 58 min
